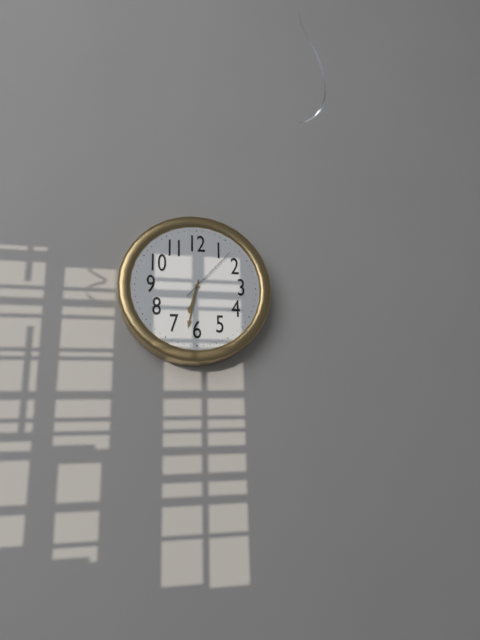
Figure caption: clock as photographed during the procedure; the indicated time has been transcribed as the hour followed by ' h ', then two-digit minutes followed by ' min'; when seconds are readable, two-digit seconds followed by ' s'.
6 h 32 min 07 s
